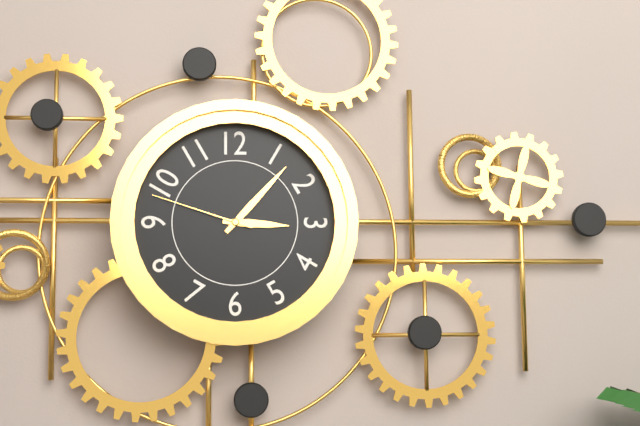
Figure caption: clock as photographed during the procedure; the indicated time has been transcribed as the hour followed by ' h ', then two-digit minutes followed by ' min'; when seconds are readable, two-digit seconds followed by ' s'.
3 h 07 min 48 s
